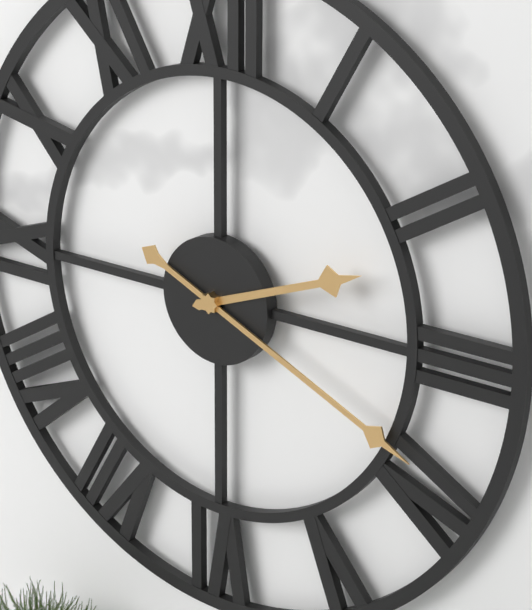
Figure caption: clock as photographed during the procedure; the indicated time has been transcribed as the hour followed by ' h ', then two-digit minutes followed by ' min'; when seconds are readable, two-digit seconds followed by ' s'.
2 h 19 min
